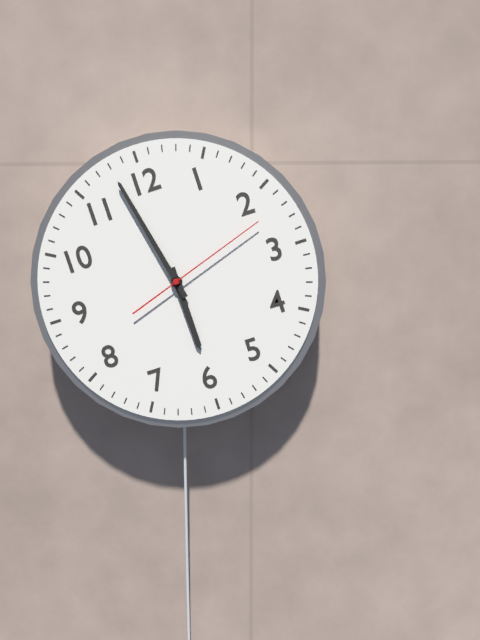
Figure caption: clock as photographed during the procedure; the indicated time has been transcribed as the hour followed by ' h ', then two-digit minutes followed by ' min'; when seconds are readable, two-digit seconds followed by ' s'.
5 h 58 min 12 s
